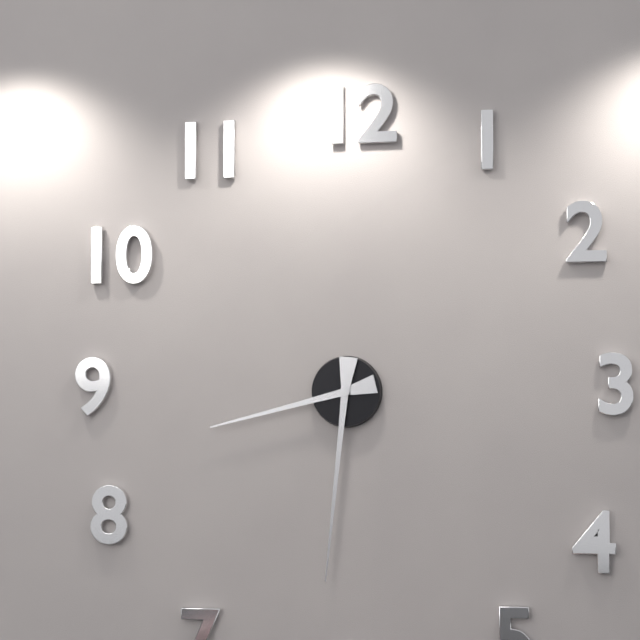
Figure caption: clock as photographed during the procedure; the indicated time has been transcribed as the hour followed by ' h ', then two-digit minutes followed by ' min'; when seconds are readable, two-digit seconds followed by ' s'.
8 h 31 min
